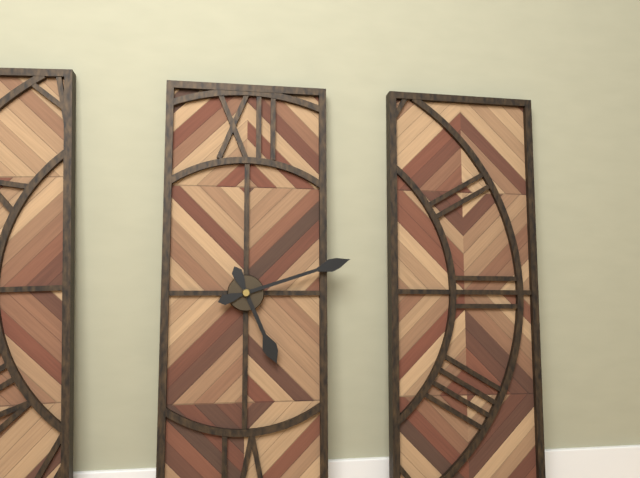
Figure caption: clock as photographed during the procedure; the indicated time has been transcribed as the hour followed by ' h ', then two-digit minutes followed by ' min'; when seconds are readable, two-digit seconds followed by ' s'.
5 h 12 min
